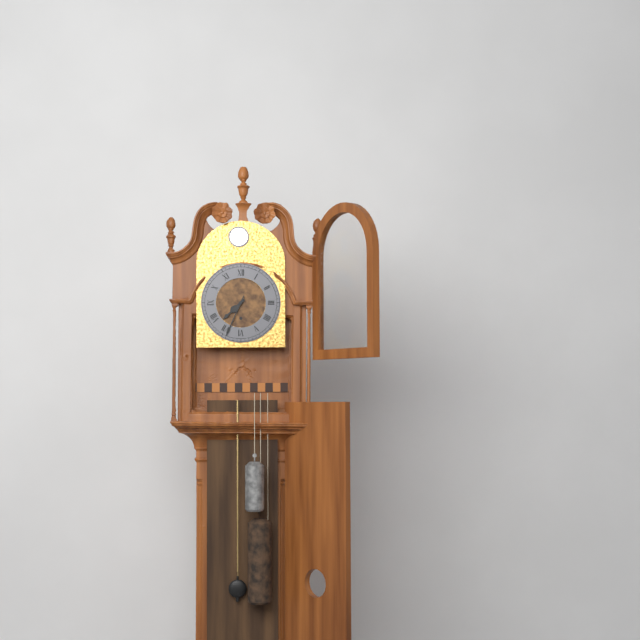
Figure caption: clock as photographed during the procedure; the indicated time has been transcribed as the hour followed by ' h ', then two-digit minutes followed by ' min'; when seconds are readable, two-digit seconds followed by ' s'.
7 h 34 min
